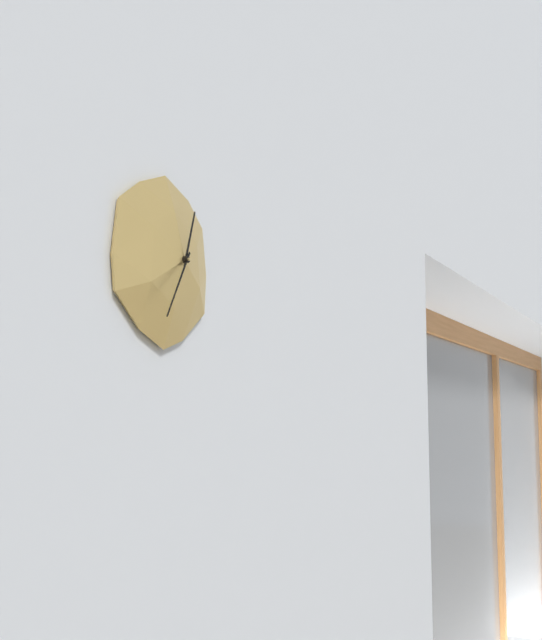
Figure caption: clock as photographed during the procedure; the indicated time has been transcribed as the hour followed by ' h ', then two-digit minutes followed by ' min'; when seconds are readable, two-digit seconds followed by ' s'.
12 h 35 min
